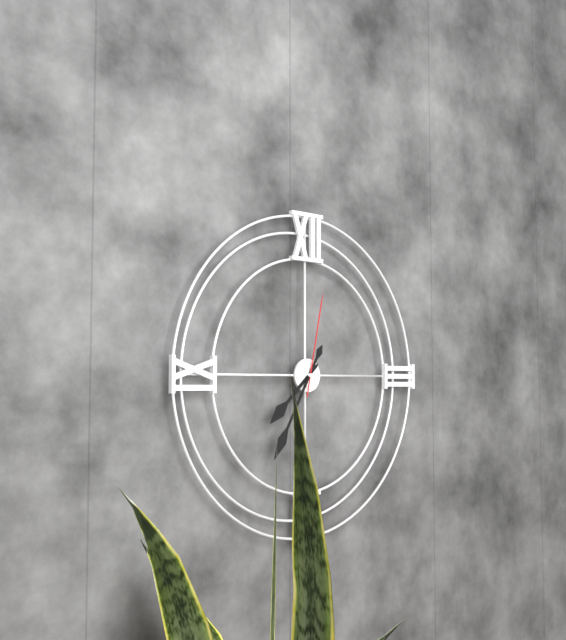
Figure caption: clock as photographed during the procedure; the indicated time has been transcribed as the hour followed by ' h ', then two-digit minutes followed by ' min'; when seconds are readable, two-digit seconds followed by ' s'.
7 h 35 min 02 s
